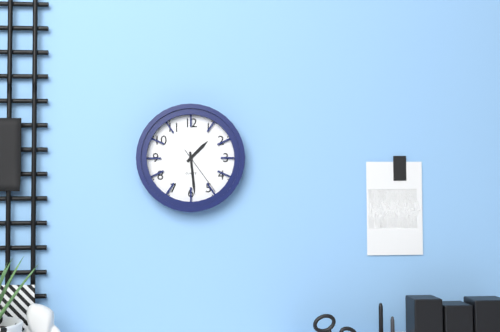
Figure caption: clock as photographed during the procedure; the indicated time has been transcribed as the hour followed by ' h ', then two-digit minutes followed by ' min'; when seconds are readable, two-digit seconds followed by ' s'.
1 h 29 min 24 s
